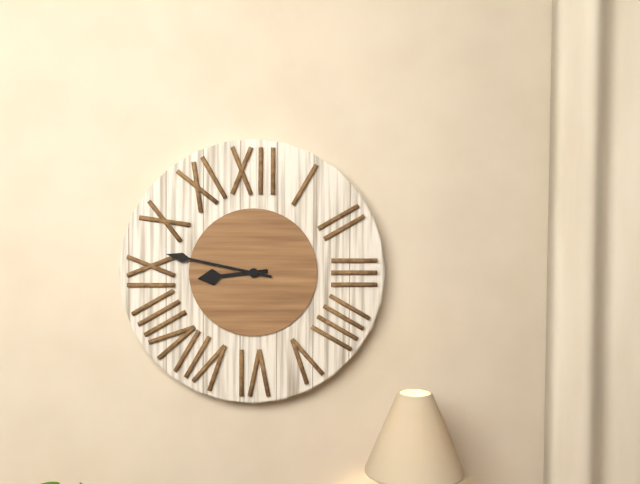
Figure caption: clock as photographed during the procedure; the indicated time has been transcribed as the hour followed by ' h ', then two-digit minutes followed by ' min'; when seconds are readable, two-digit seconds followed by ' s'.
8 h 47 min
